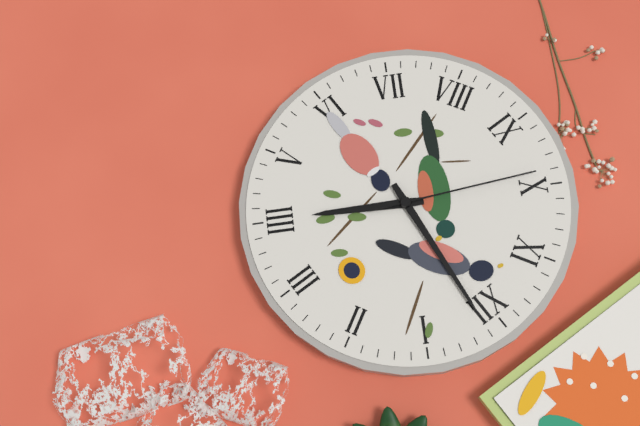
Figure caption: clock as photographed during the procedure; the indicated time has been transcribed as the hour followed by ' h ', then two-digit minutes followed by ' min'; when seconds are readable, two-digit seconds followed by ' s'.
4 h 01 min 49 s
